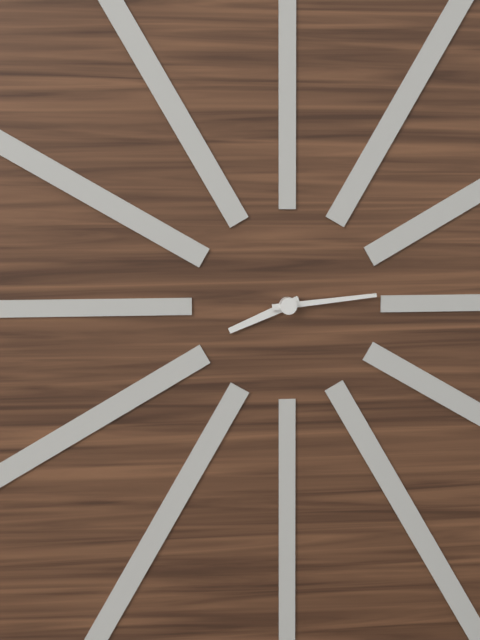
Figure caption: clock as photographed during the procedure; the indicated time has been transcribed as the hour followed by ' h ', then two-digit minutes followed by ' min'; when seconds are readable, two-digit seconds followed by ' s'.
8 h 14 min
